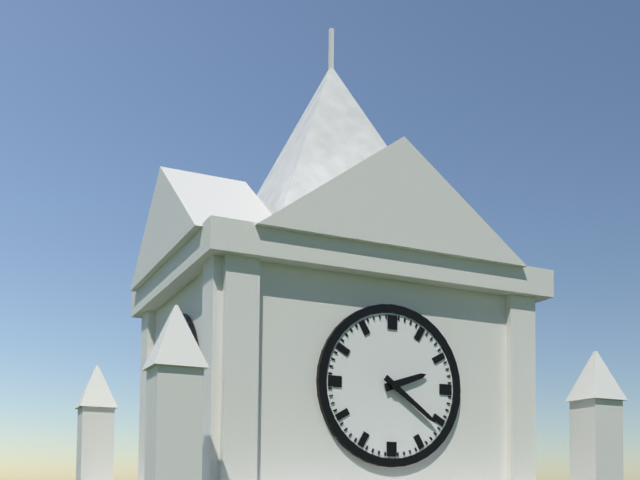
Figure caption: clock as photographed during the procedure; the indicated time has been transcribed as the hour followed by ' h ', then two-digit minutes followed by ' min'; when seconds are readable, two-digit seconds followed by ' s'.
2 h 21 min
